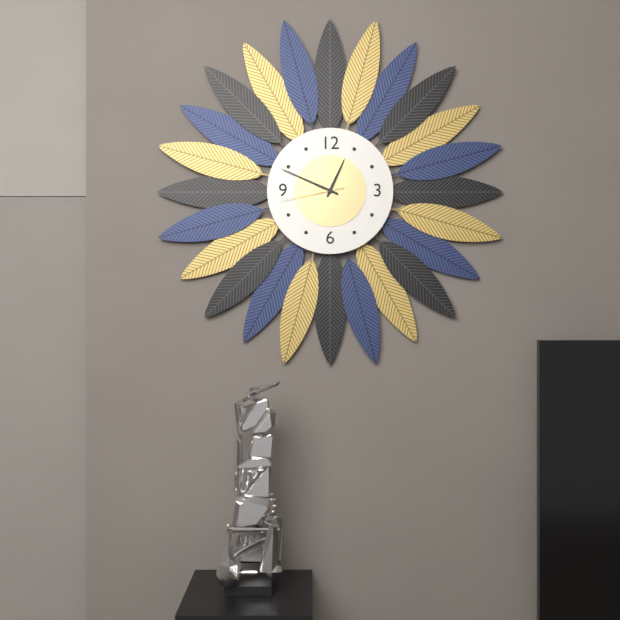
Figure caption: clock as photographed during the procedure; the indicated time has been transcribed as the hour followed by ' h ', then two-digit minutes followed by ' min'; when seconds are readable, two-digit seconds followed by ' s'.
12 h 49 min 43 s
